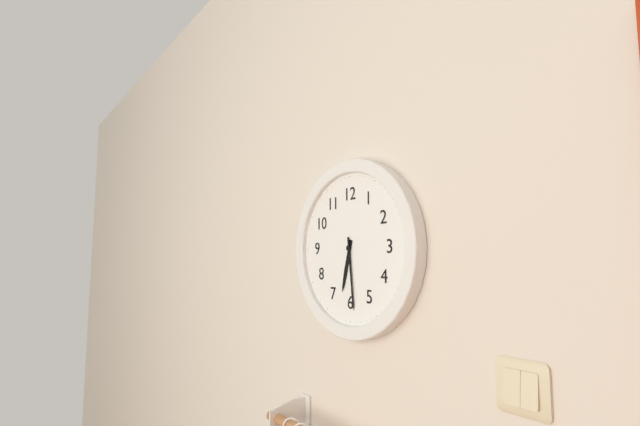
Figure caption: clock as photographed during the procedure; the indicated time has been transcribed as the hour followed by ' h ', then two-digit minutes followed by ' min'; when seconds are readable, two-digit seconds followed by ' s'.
6 h 29 min
